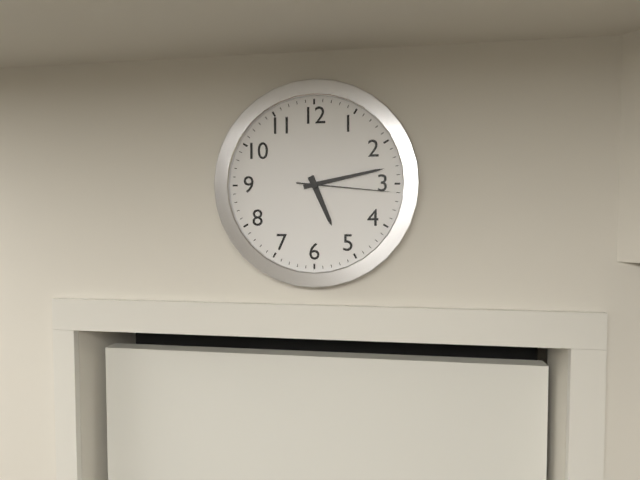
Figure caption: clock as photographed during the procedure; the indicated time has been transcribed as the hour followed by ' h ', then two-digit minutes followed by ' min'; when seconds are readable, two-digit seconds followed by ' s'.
5 h 13 min 16 s
